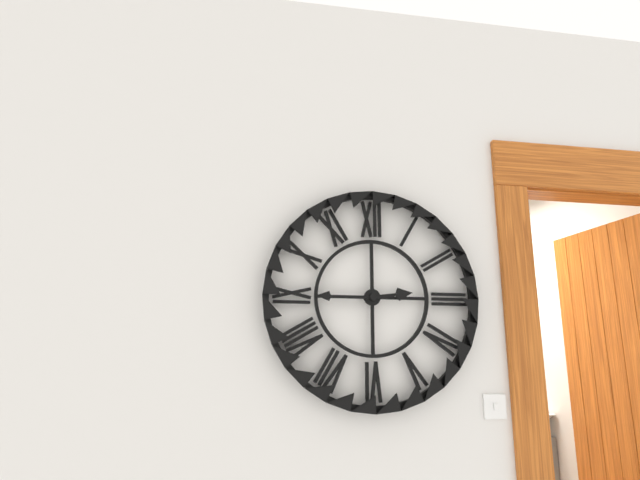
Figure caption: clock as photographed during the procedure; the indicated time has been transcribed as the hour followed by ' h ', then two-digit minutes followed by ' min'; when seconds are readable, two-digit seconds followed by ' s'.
2 h 45 min
